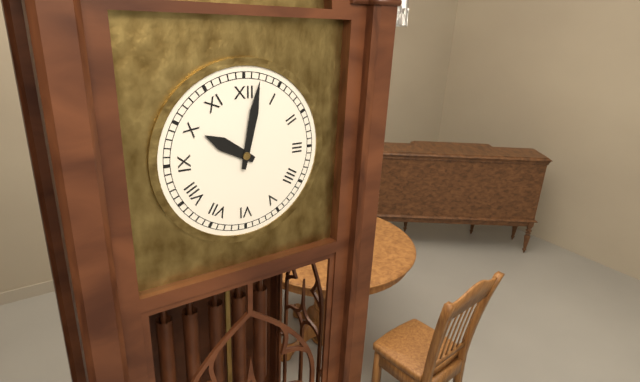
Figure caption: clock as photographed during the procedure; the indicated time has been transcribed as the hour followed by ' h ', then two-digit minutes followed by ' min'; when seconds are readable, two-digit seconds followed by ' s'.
10 h 02 min
